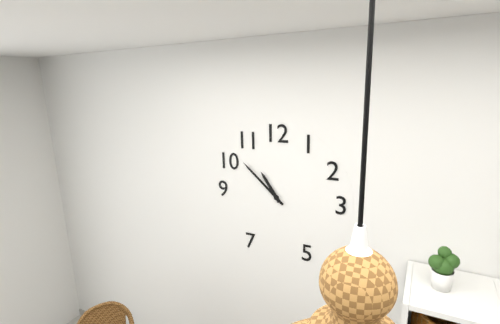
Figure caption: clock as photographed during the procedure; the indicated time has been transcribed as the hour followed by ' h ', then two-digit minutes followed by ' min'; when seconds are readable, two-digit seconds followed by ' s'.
10 h 52 min
